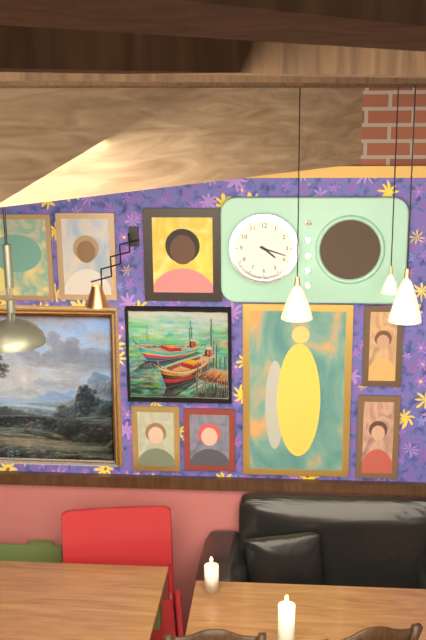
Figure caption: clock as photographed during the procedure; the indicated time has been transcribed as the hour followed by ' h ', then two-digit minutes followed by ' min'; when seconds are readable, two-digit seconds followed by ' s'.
4 h 18 min
